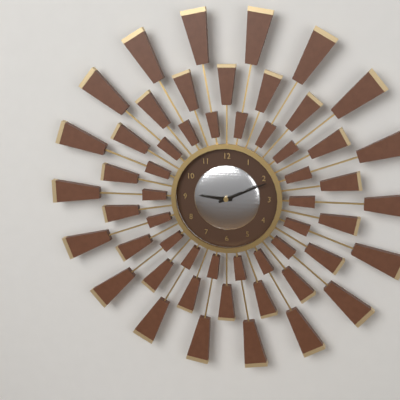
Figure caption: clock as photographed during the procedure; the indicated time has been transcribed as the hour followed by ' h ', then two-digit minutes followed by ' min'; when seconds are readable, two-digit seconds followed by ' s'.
9 h 11 min
